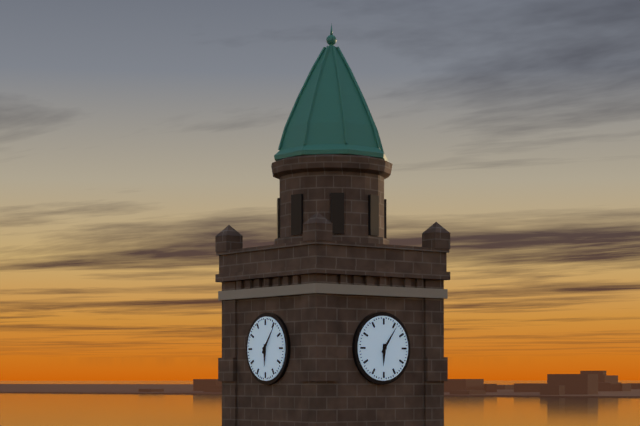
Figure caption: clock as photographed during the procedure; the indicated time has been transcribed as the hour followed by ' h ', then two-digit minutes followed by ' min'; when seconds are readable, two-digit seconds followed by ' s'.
6 h 06 min
